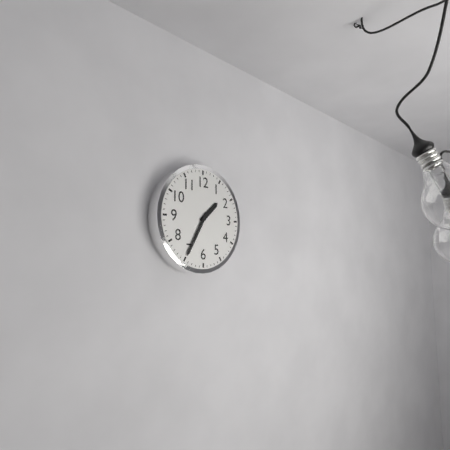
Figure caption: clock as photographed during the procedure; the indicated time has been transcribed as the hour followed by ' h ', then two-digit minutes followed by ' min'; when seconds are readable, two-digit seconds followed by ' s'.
1 h 35 min
